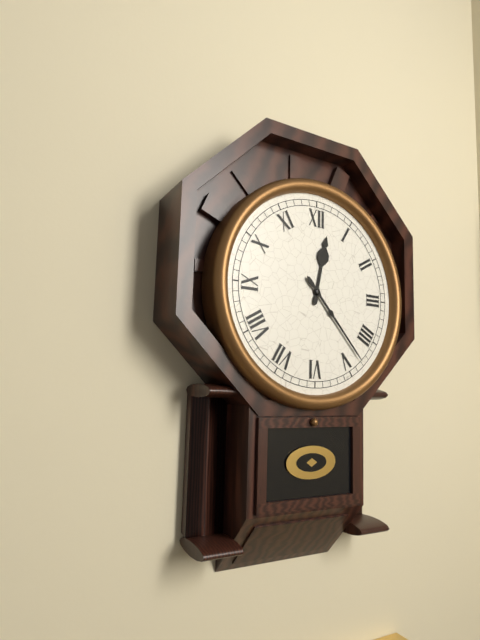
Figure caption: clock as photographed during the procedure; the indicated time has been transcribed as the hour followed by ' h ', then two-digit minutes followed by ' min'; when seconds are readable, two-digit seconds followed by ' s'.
12 h 23 min
